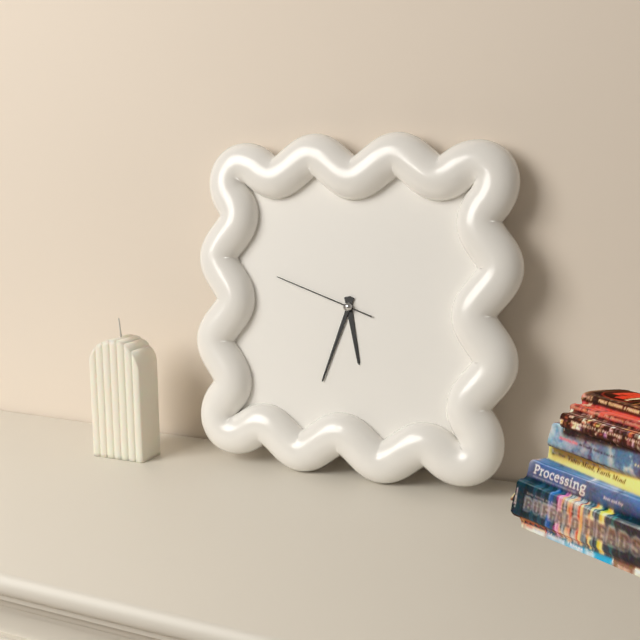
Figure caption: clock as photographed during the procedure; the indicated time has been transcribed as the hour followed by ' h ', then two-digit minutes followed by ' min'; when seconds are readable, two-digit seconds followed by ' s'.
5 h 33 min 48 s
